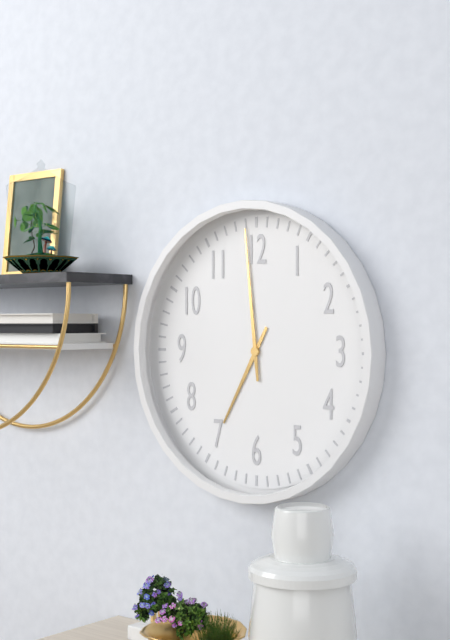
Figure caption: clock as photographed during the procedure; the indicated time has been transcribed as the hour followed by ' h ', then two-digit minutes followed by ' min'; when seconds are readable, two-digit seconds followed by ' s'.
6 h 59 min
